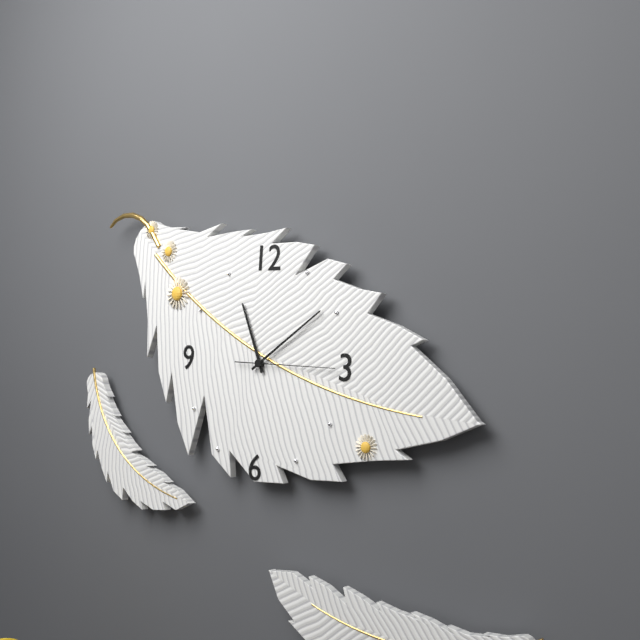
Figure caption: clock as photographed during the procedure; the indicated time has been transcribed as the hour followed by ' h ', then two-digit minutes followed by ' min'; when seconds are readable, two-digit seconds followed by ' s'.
11 h 09 min 15 s
